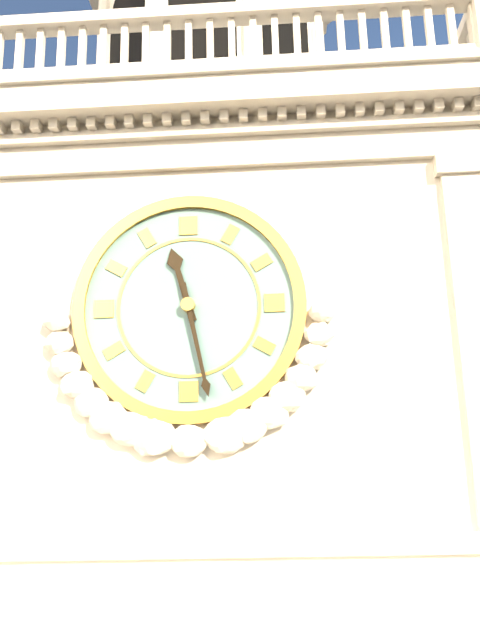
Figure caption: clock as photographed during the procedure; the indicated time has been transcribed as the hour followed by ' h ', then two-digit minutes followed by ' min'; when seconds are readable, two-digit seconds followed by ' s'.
11 h 28 min
